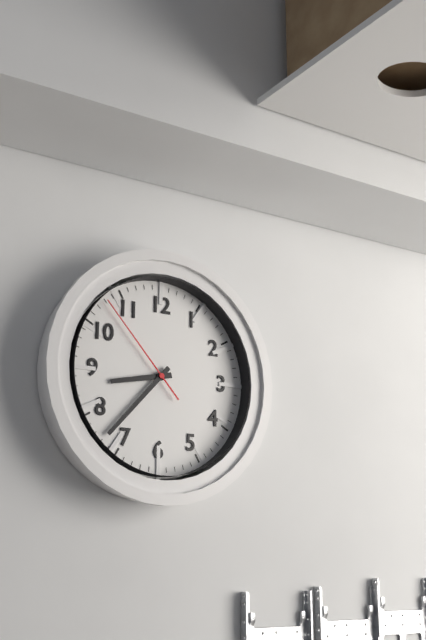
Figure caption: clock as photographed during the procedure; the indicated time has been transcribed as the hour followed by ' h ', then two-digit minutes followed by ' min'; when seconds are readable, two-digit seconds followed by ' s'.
8 h 37 min 53 s
